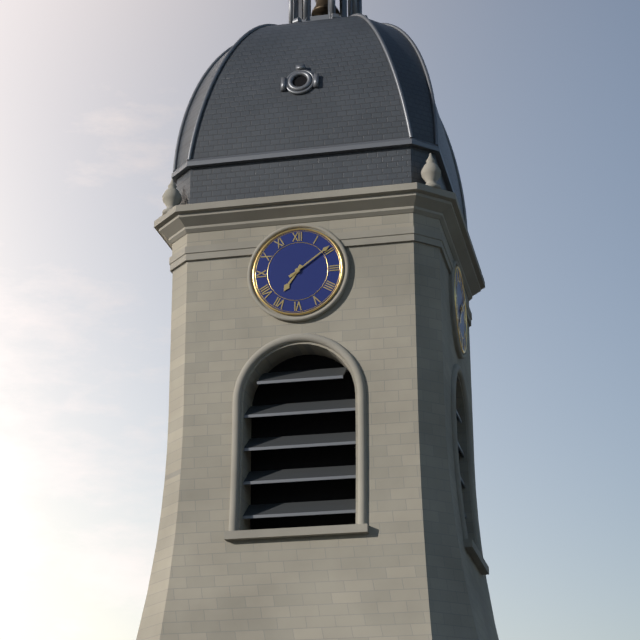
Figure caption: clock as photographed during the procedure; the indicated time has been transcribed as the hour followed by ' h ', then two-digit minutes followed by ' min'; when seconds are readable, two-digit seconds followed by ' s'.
7 h 09 min
